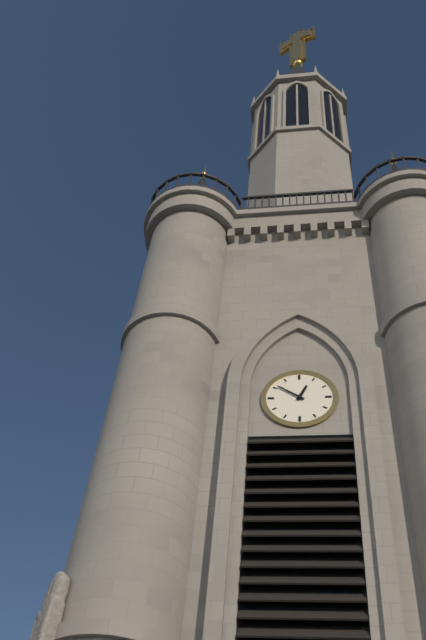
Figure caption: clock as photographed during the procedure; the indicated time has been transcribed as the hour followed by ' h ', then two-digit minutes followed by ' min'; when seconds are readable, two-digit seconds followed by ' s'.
12 h 51 min
